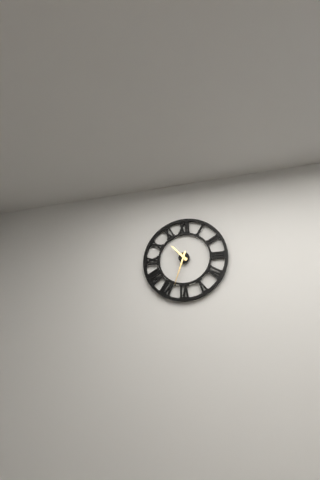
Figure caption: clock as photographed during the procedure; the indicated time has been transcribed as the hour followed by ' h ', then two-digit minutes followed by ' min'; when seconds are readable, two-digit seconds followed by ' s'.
10 h 33 min
